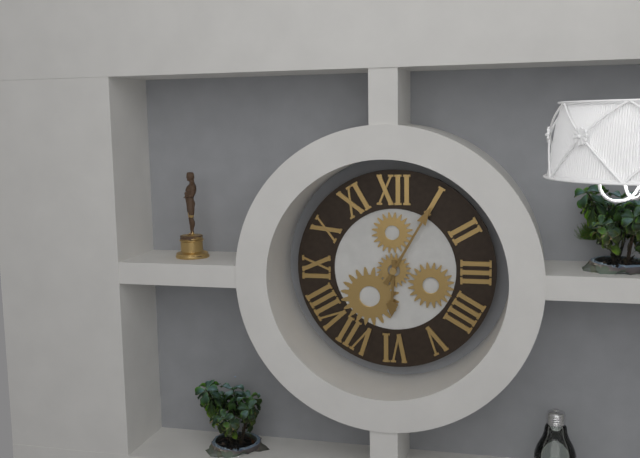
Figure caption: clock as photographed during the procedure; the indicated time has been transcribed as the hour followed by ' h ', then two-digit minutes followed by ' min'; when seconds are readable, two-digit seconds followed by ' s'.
6 h 05 min
